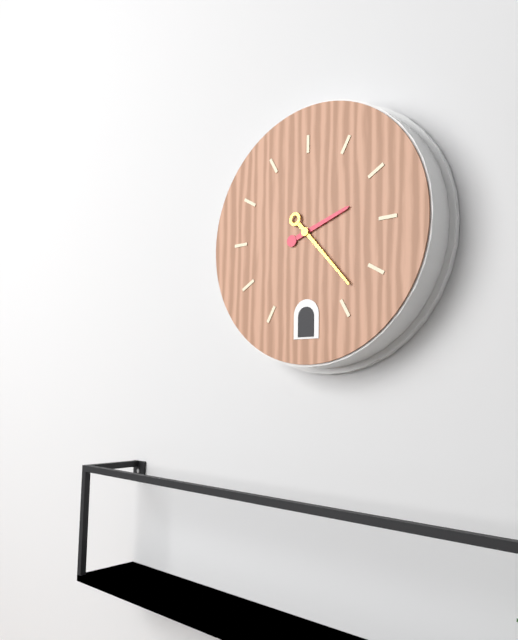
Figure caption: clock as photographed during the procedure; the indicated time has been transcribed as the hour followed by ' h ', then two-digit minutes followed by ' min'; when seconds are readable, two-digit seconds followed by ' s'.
2 h 23 min
